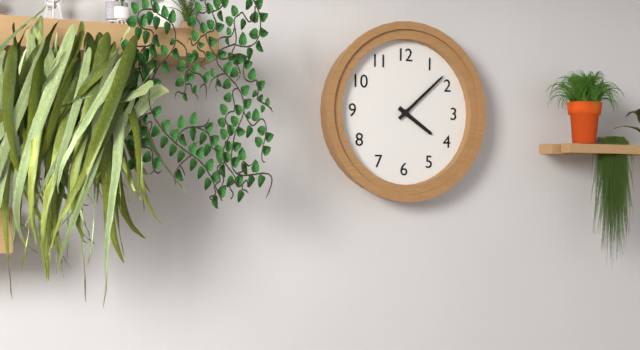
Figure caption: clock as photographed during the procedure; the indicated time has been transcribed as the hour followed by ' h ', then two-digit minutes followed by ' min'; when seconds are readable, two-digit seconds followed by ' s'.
4 h 08 min
